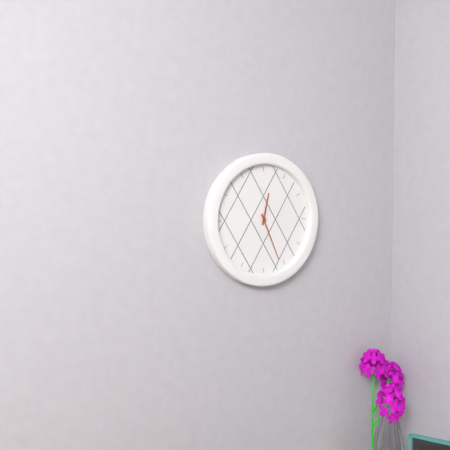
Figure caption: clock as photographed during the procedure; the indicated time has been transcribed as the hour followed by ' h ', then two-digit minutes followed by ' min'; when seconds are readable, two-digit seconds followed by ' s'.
12 h 26 min
